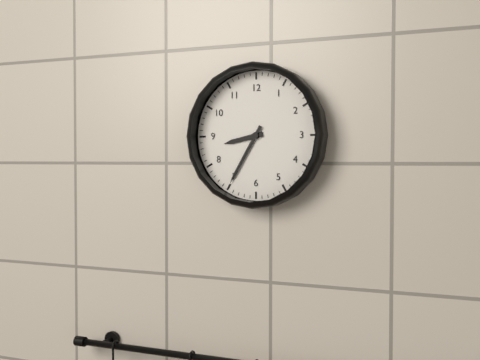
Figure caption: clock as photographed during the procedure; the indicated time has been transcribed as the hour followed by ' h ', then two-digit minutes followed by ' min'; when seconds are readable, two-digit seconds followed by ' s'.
8 h 35 min
